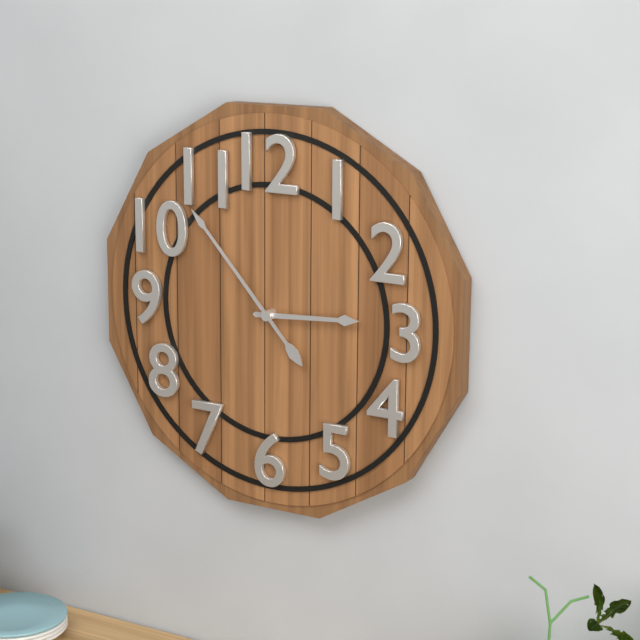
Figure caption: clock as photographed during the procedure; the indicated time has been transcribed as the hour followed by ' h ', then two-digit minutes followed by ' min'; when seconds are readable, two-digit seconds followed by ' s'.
2 h 53 min
